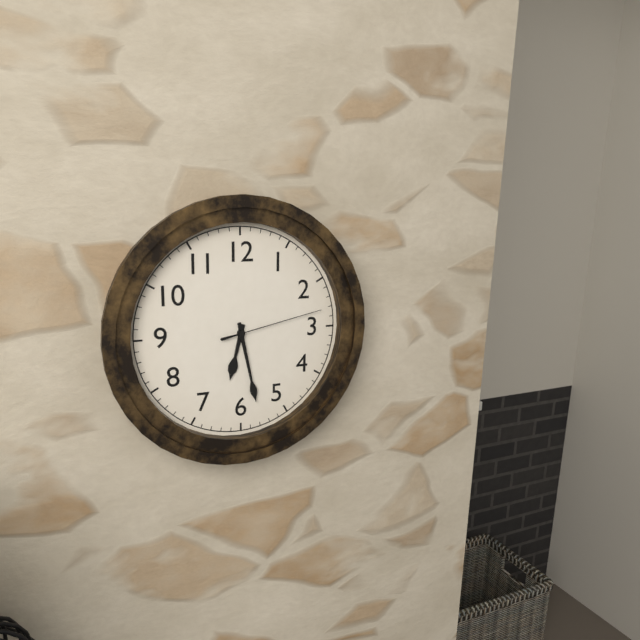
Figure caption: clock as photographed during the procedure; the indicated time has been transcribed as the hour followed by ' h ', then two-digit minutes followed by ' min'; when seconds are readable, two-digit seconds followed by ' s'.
6 h 28 min 13 s
